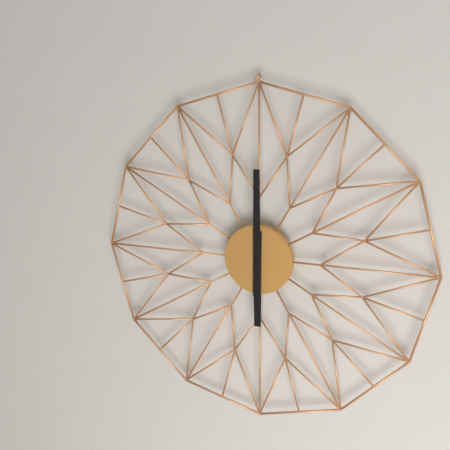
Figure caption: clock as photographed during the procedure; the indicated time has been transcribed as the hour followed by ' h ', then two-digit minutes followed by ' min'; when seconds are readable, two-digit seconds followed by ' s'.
6 h 00 min
